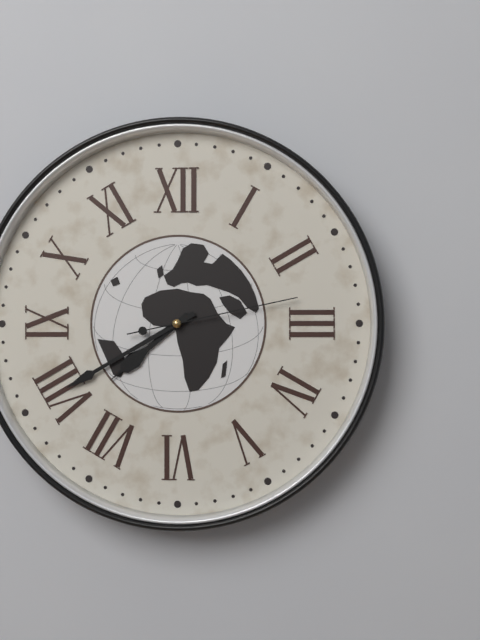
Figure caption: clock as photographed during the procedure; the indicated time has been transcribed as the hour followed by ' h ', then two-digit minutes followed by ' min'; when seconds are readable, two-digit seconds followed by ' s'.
7 h 40 min 13 s
